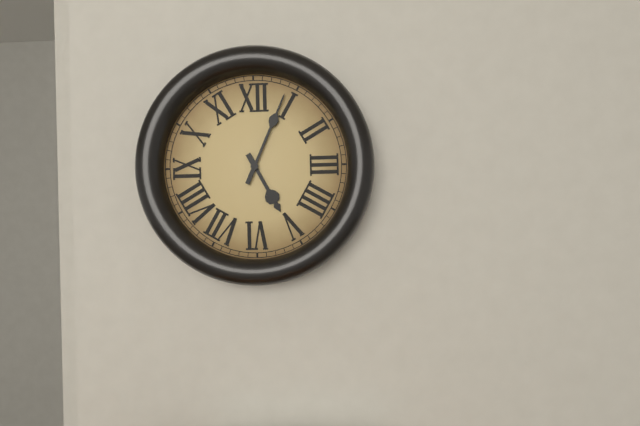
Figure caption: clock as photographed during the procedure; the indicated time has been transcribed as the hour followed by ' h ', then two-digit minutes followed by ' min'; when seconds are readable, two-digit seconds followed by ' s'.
5 h 04 min
